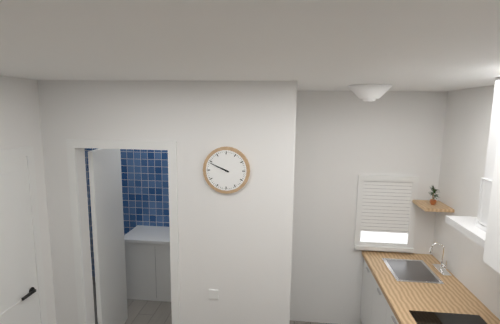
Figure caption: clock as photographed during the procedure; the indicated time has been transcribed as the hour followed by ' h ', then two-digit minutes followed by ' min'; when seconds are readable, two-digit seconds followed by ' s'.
9 h 49 min
